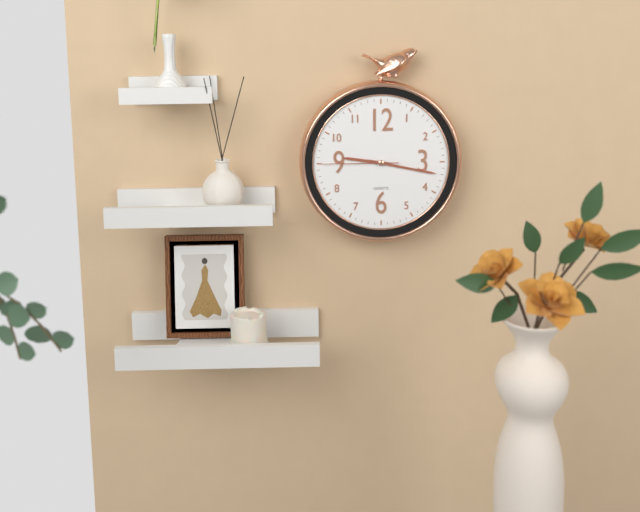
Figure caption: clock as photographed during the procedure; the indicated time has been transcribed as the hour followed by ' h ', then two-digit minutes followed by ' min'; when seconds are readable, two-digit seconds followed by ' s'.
9 h 17 min 45 s
